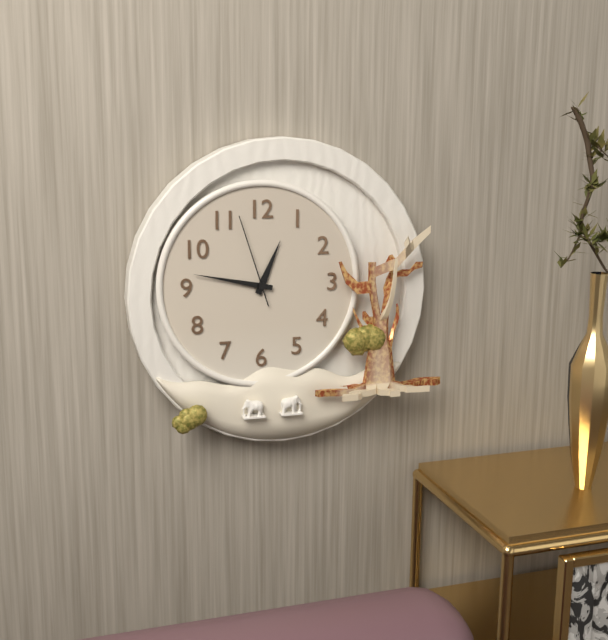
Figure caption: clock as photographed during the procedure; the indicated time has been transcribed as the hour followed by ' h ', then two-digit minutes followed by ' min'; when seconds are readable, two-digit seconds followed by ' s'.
12 h 47 min 57 s
